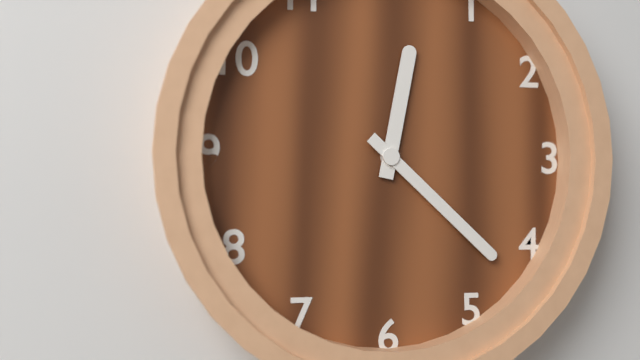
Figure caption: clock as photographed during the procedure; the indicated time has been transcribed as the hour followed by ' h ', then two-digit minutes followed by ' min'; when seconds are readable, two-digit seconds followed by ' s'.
12 h 22 min
